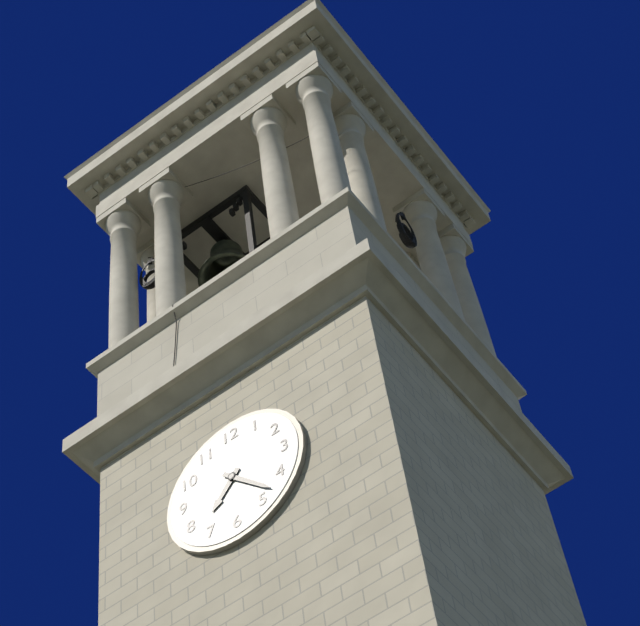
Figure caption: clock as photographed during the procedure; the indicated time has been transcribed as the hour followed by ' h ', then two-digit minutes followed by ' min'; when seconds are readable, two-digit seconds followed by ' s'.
7 h 23 min
